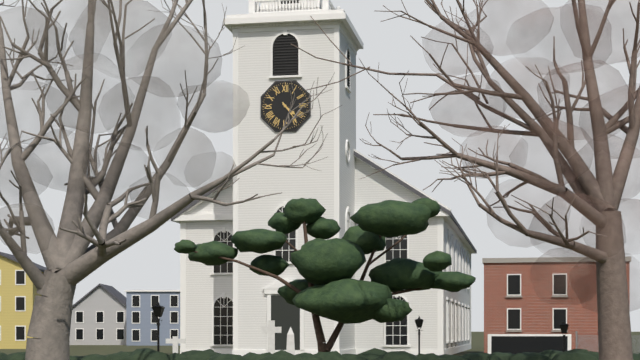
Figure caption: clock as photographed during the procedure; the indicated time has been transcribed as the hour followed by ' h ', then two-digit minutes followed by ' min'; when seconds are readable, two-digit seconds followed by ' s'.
4 h 24 min
